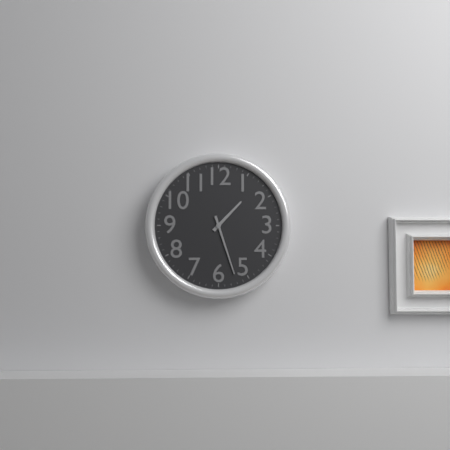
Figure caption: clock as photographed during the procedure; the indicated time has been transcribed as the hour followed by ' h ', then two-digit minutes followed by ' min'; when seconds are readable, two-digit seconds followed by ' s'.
1 h 27 min
